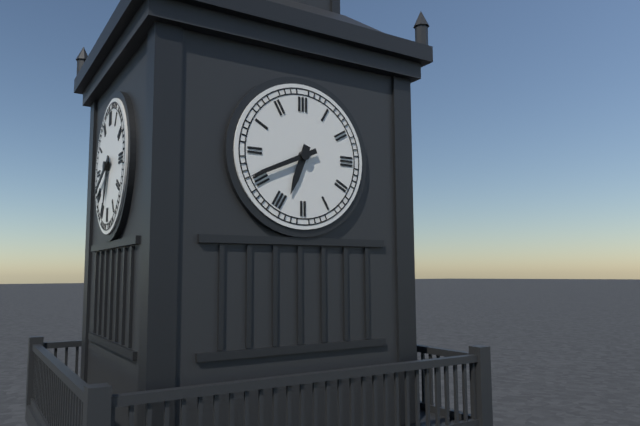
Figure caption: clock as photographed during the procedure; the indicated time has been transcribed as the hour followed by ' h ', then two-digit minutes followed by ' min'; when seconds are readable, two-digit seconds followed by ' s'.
6 h 41 min
